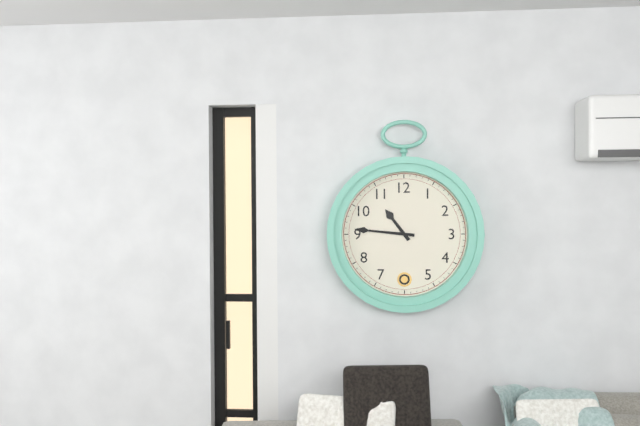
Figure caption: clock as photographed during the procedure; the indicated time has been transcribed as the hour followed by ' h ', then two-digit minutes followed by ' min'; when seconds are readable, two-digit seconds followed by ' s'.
10 h 46 min
